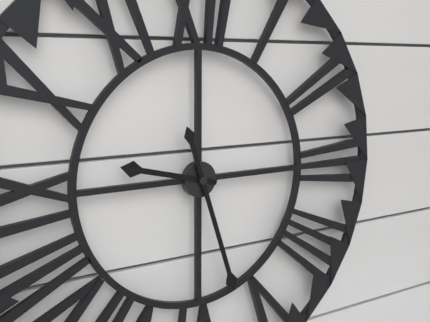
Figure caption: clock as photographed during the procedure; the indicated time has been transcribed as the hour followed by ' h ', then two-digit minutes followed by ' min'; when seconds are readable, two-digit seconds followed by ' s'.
9 h 27 min
